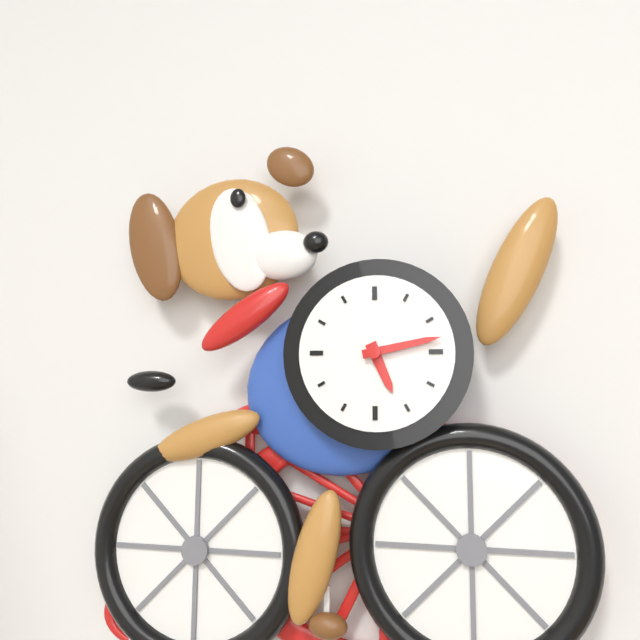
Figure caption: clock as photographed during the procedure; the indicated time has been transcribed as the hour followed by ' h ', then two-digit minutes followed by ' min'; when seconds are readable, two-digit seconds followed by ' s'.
5 h 13 min
